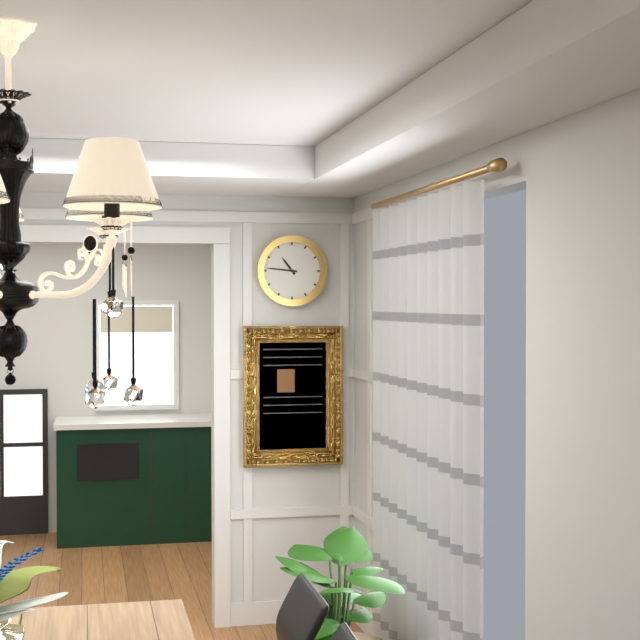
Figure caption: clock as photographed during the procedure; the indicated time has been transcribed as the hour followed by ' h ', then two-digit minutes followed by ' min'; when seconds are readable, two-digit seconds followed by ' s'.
10 h 46 min
